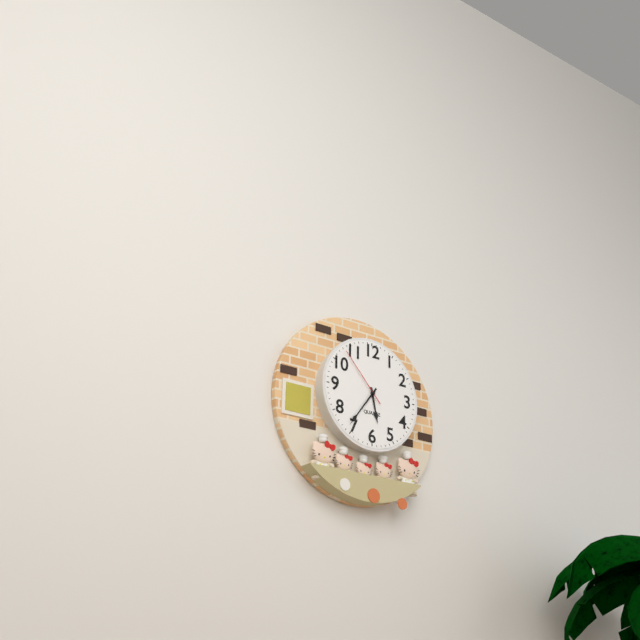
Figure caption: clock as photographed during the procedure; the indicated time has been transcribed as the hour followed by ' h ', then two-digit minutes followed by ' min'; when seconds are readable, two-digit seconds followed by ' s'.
5 h 36 min 53 s
